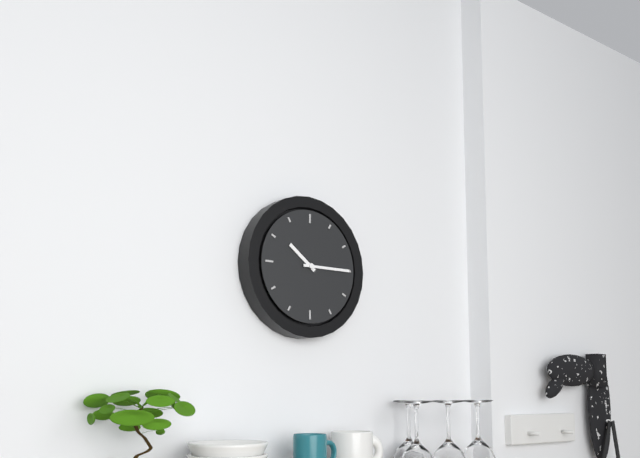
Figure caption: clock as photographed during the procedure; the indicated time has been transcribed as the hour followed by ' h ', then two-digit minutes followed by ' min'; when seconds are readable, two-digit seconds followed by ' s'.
10 h 15 min
